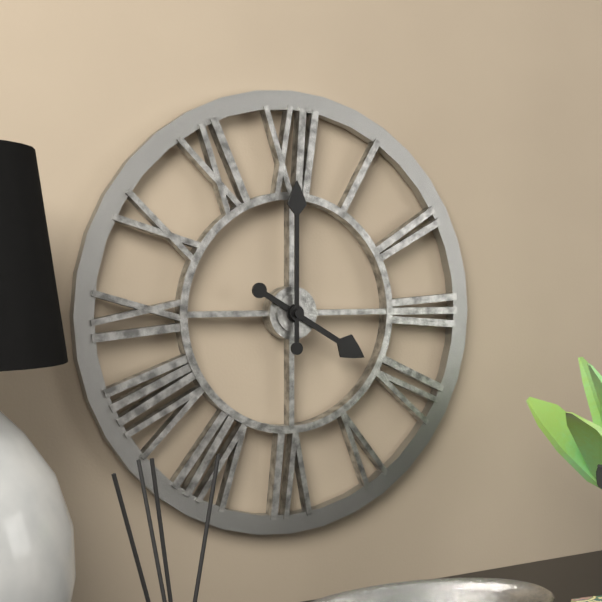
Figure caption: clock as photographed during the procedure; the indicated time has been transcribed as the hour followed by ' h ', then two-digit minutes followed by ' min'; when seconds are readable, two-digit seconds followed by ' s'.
4 h 00 min
